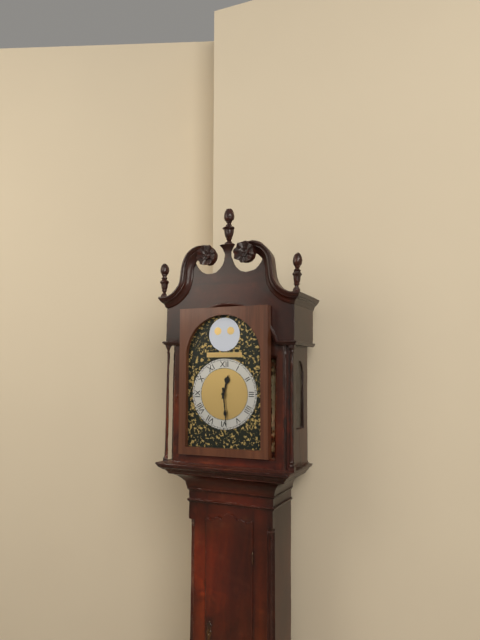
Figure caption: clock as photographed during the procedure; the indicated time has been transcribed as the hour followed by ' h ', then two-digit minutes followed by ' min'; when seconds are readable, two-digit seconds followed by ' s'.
12 h 29 min
